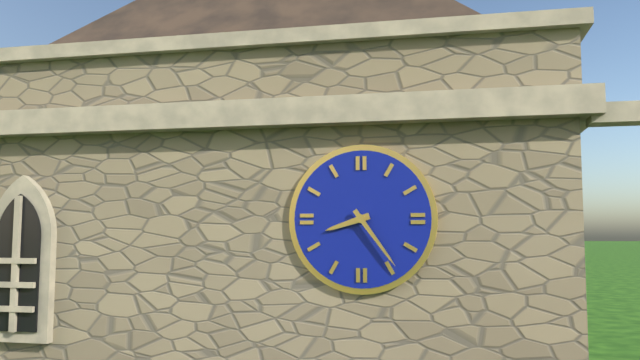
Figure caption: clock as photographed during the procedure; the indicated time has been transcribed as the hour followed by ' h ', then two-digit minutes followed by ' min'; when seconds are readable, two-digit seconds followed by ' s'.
8 h 24 min
